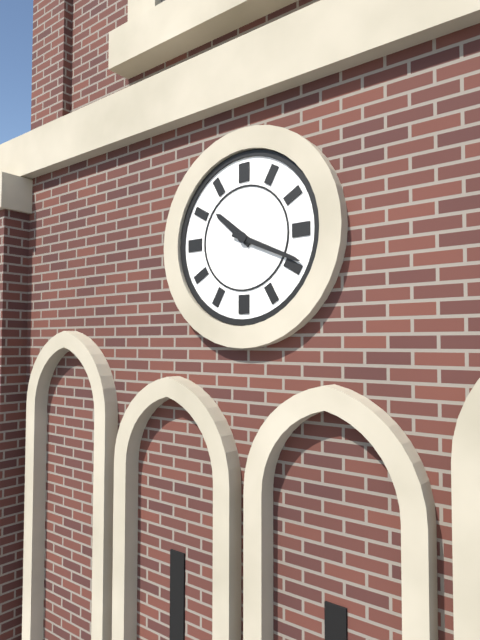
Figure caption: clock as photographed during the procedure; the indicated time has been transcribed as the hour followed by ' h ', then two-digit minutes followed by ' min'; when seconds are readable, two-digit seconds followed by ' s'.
10 h 19 min
